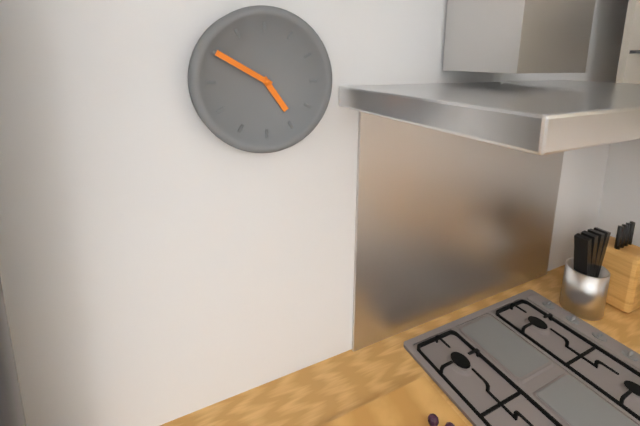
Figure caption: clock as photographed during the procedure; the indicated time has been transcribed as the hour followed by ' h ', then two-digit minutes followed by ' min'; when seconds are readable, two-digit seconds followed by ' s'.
4 h 50 min
